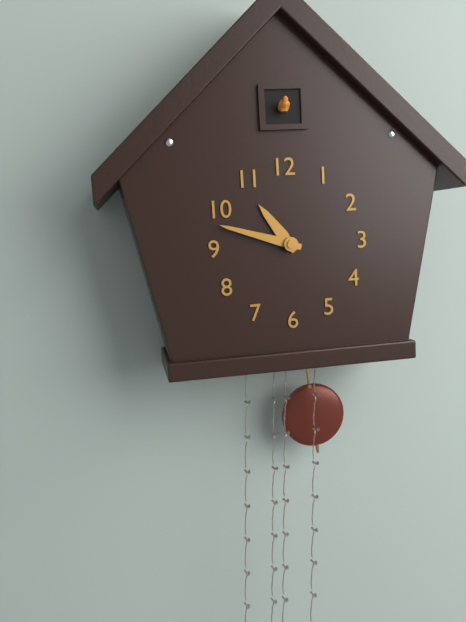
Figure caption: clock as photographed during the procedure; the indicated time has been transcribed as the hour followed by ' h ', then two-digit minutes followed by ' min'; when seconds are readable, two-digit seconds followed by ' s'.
10 h 48 min
